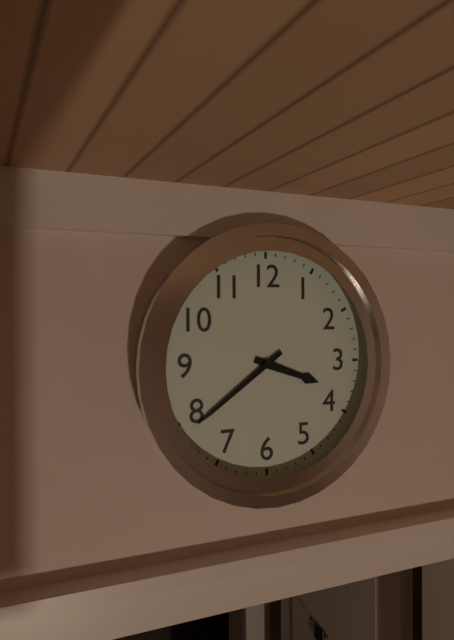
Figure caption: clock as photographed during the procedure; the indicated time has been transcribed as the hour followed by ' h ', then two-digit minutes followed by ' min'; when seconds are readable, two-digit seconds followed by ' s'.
3 h 39 min
